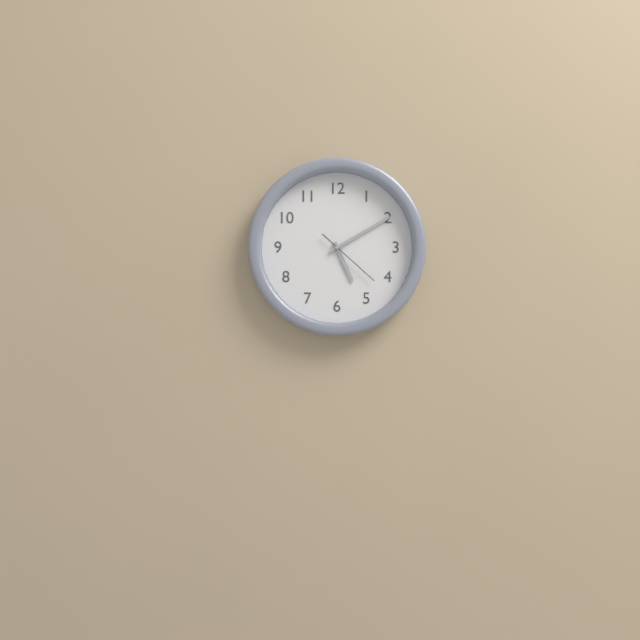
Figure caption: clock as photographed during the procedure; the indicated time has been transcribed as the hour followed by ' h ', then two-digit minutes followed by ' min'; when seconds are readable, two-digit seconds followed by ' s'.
5 h 10 min 22 s
